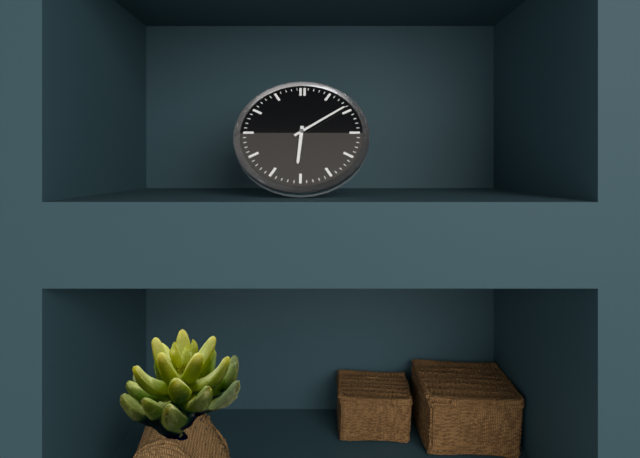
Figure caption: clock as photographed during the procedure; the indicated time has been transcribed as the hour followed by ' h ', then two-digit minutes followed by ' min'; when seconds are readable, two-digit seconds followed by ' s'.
6 h 09 min
